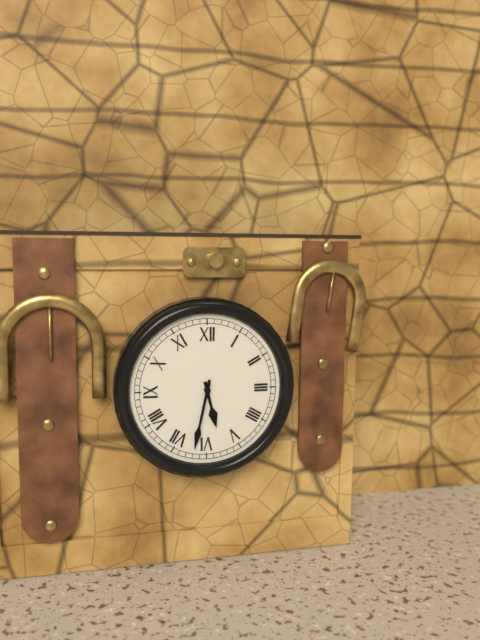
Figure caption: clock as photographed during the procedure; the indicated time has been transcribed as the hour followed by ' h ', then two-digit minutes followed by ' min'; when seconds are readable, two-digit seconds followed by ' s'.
5 h 32 min
